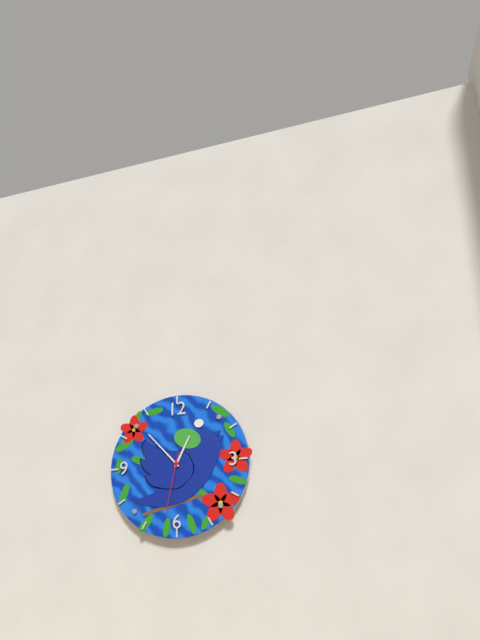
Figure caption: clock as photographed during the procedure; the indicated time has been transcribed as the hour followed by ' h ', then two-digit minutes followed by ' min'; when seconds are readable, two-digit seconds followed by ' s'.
12 h 53 min 32 s
